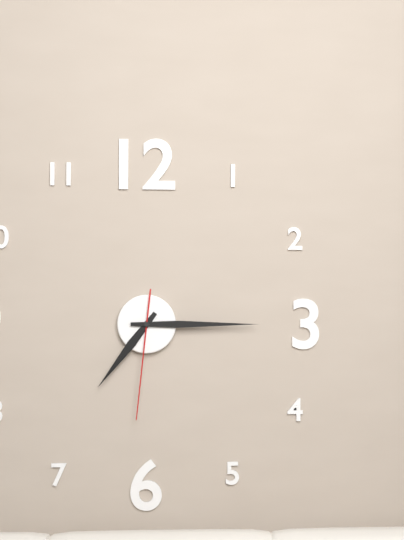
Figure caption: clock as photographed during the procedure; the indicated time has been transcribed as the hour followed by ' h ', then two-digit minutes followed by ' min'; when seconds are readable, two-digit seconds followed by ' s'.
7 h 15 min 31 s
